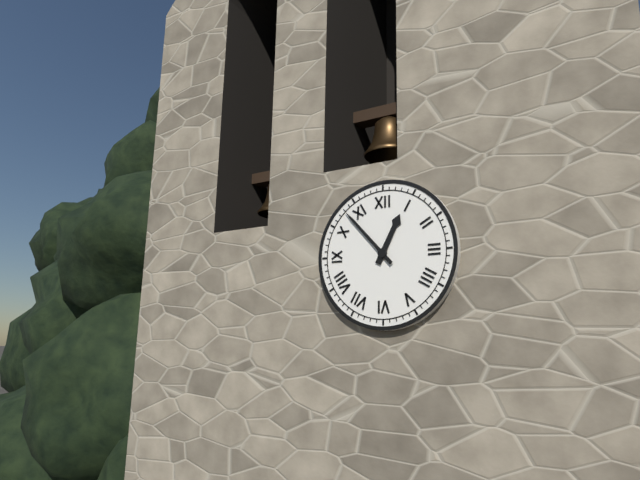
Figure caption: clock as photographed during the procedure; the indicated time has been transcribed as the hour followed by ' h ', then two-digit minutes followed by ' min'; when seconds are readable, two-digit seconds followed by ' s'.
12 h 53 min
